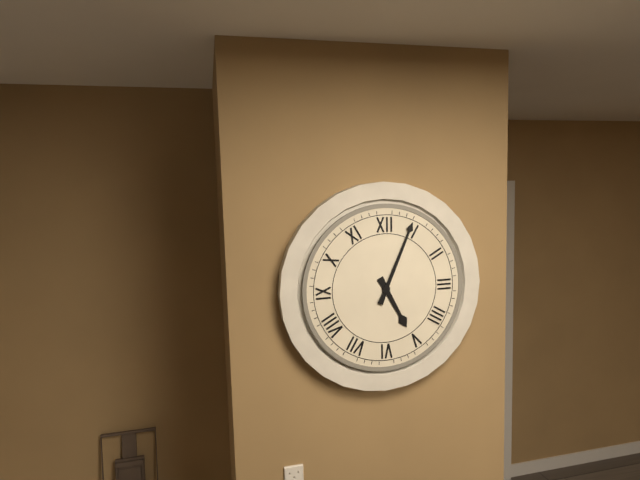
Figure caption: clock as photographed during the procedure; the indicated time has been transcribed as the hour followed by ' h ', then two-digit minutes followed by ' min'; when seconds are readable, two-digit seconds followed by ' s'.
5 h 04 min
